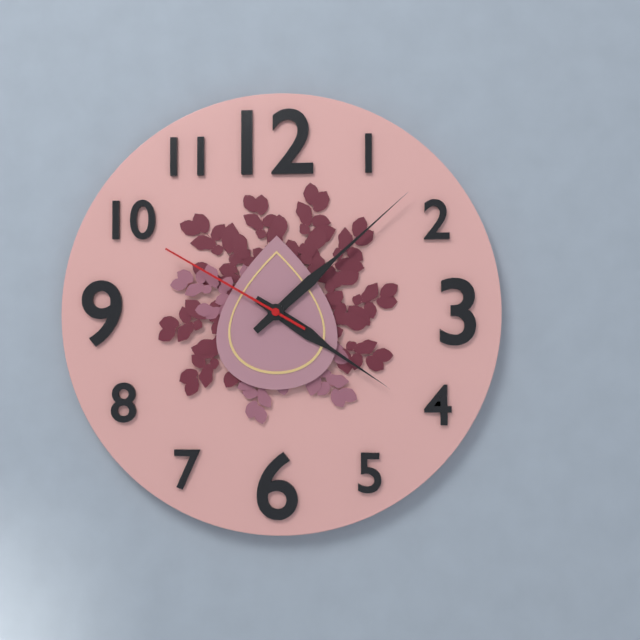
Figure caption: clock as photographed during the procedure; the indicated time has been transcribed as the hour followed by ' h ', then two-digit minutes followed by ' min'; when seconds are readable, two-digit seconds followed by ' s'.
4 h 08 min 50 s
